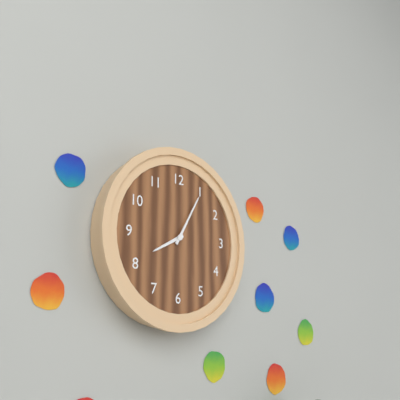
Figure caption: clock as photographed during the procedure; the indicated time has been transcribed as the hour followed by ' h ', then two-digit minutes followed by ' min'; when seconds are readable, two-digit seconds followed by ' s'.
8 h 05 min
